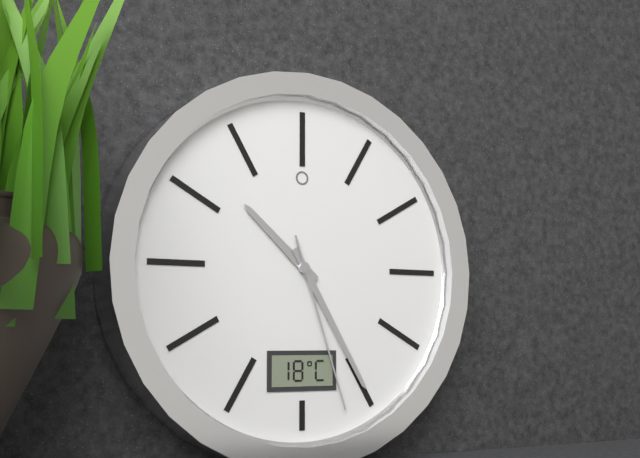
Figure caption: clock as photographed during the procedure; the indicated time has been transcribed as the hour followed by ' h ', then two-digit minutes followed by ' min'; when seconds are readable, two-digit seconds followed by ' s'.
10 h 25 min 27 s
